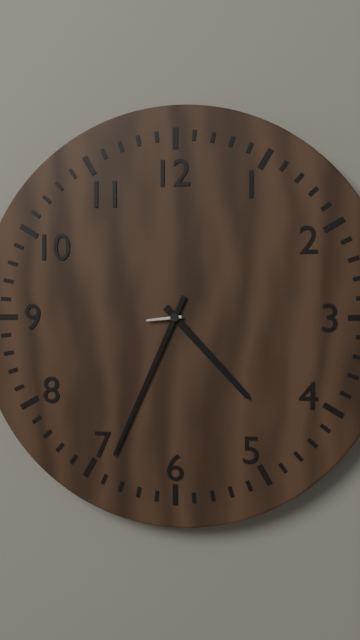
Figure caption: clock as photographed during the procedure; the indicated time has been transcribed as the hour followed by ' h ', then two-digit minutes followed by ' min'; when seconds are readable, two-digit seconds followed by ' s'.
4 h 34 min
